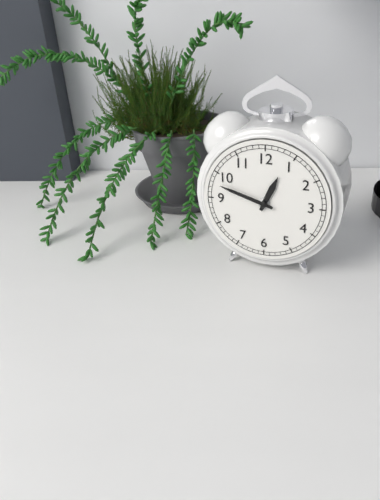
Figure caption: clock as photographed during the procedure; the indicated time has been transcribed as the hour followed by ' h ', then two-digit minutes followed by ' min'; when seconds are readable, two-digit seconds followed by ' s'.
12 h 48 min
